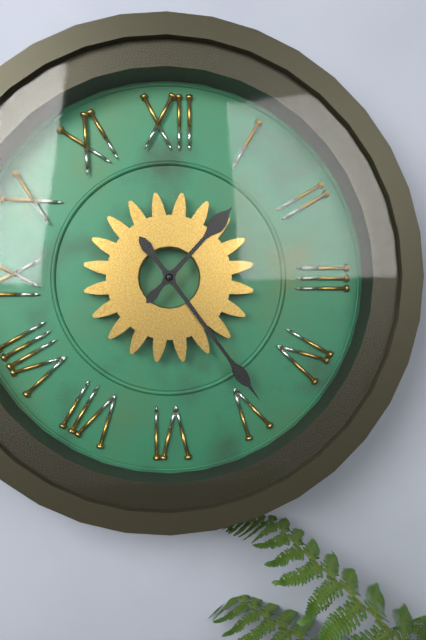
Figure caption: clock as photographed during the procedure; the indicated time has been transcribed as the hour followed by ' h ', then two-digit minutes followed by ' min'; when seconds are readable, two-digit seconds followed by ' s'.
1 h 24 min
